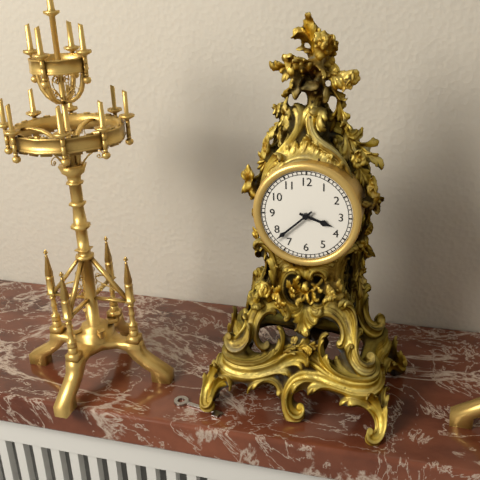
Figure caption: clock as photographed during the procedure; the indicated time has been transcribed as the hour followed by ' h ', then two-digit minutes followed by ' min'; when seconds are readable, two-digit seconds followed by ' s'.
3 h 38 min
